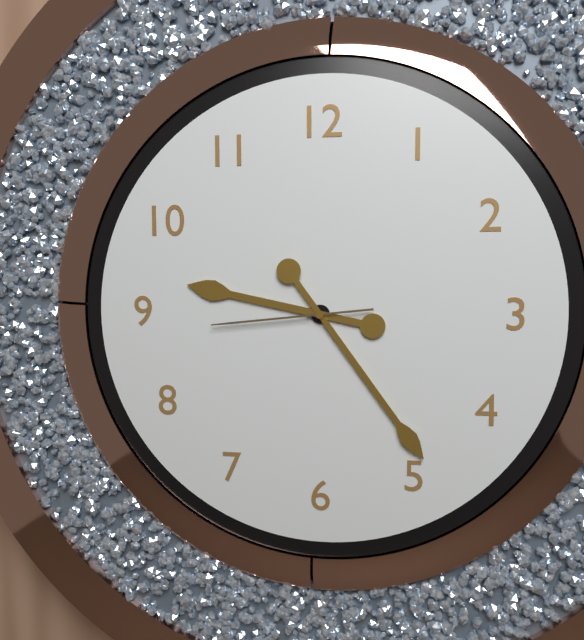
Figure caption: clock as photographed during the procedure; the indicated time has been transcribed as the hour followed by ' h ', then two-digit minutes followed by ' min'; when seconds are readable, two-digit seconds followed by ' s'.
9 h 24 min 44 s
